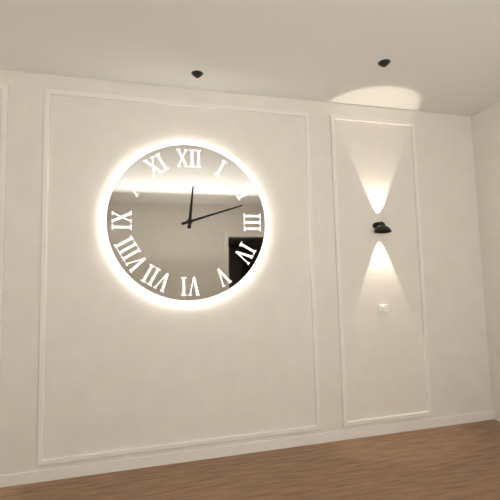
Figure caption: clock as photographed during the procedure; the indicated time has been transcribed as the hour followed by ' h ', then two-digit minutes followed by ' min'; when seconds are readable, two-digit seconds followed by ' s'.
12 h 12 min
